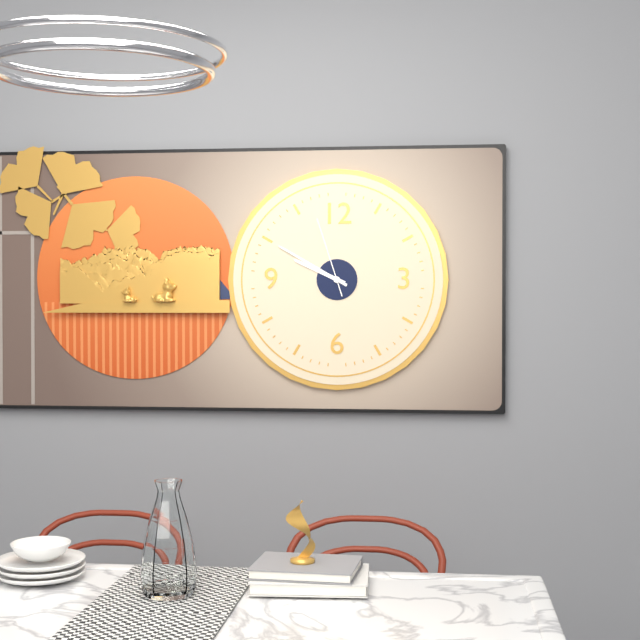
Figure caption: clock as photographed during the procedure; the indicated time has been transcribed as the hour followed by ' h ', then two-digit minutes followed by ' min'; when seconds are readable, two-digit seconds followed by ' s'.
9 h 50 min 57 s
